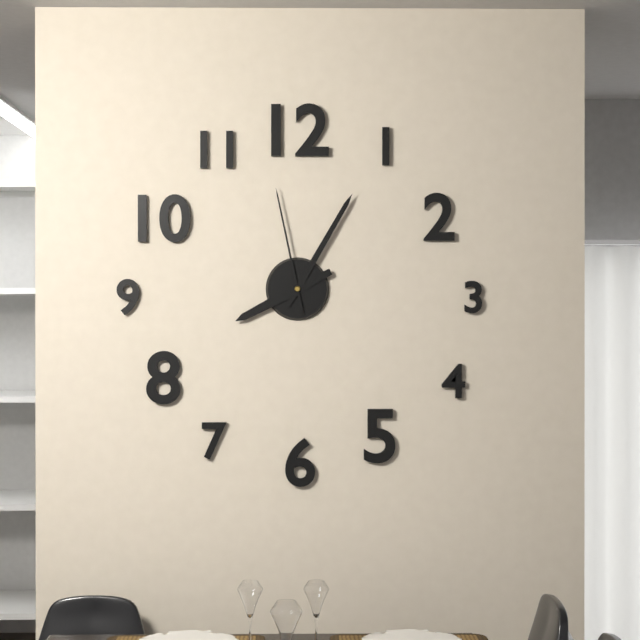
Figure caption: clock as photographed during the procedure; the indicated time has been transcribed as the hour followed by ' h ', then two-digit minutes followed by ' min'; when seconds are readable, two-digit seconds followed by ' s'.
8 h 05 min 58 s
